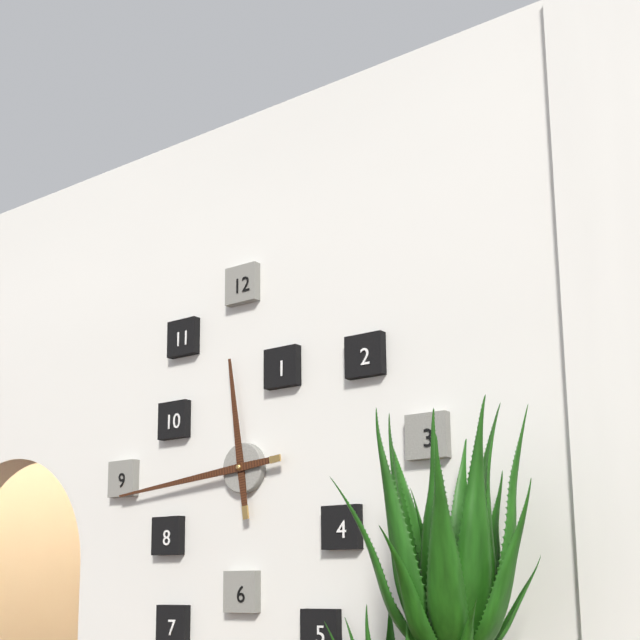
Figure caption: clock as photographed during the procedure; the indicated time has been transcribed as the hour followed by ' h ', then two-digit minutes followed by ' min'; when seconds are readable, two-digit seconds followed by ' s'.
11 h 44 min
